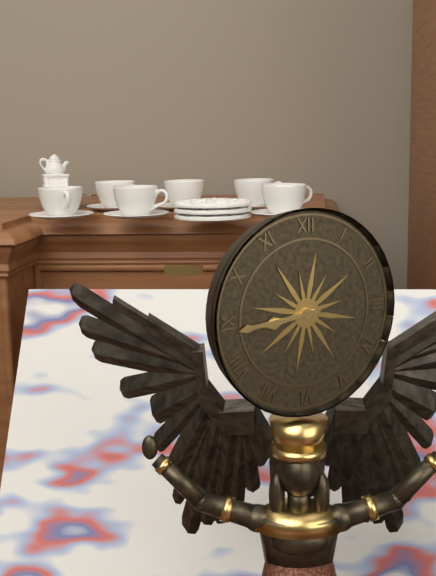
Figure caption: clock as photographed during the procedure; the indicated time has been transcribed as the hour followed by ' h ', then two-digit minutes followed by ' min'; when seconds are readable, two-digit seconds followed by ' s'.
8 h 44 min
